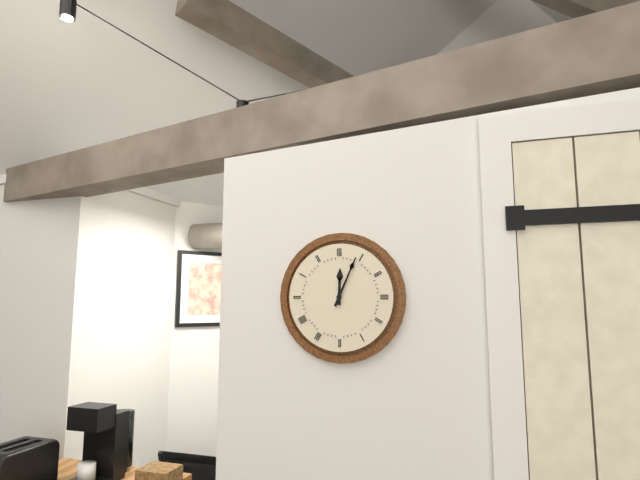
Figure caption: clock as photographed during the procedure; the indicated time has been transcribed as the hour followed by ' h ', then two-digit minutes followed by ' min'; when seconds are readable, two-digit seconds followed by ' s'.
12 h 04 min
